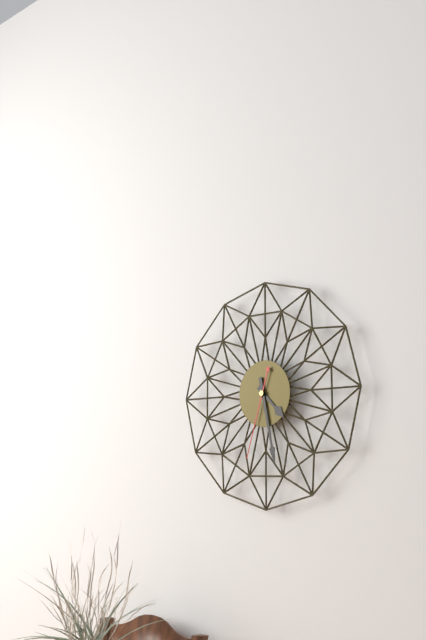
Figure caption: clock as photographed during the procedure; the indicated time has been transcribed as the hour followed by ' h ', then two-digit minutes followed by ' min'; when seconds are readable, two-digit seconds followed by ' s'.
4 h 28 min 33 s
